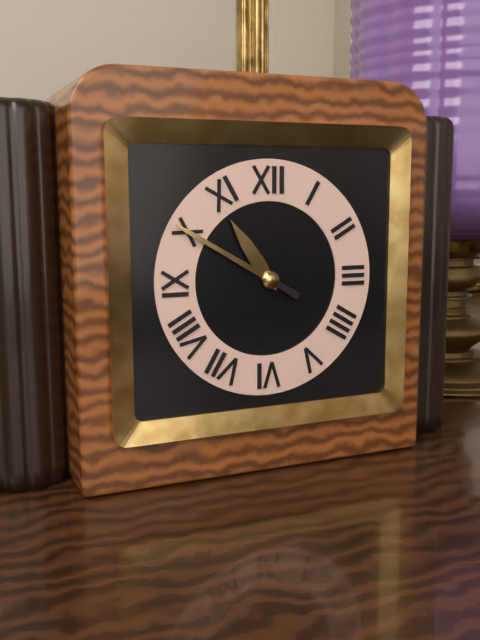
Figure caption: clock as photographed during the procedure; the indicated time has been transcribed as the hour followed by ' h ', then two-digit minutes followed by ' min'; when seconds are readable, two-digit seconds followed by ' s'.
10 h 50 min
